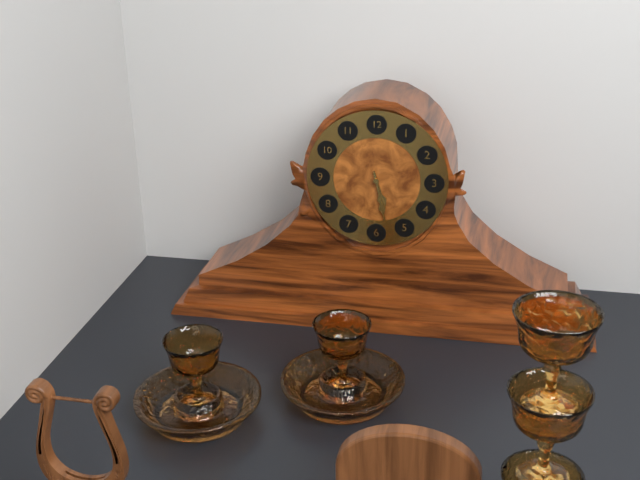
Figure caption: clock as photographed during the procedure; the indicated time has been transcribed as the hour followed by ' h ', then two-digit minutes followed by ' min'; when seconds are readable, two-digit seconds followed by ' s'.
5 h 28 min
